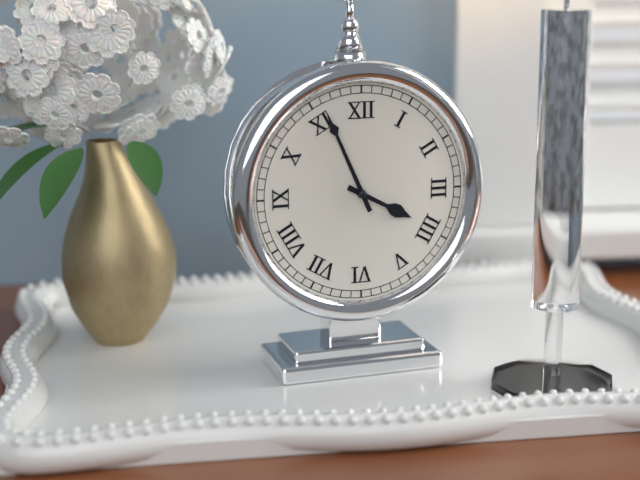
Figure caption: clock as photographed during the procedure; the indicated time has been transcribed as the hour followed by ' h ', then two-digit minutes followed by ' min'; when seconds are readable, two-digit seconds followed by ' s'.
3 h 56 min
